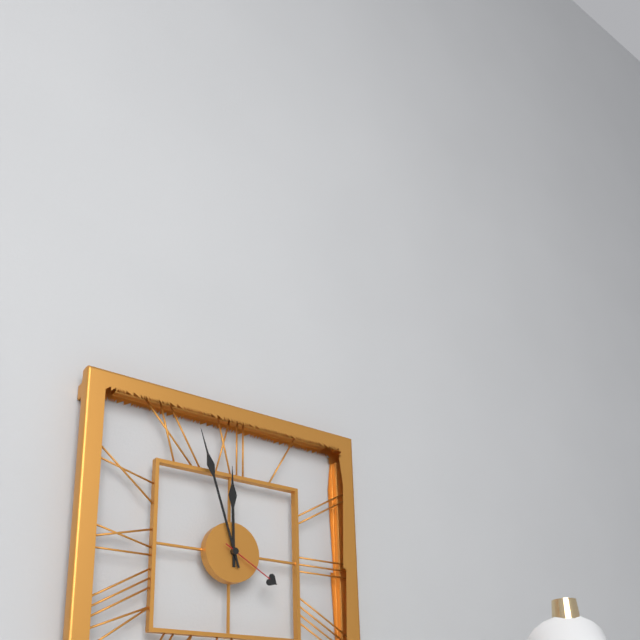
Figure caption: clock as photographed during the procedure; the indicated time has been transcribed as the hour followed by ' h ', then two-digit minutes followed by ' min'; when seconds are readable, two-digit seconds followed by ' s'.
11 h 57 min 20 s
